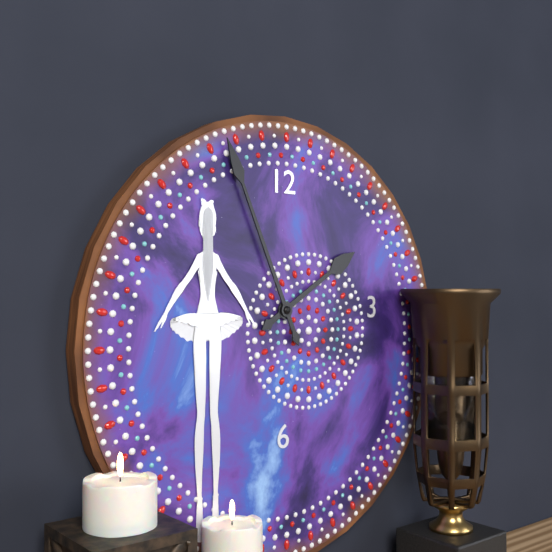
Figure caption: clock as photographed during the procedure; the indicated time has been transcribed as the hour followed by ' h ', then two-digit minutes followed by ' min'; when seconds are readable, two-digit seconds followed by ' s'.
1 h 56 min
